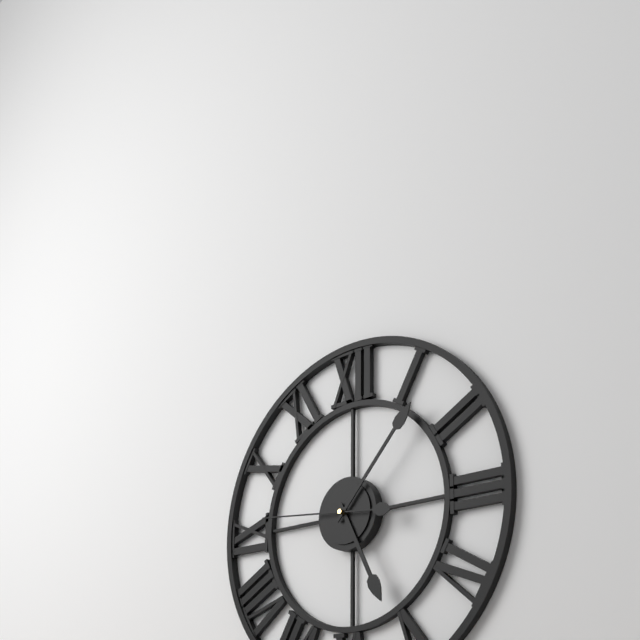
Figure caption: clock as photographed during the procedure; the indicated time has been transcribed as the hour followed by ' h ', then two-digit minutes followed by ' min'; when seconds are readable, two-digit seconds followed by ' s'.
5 h 07 min 46 s
